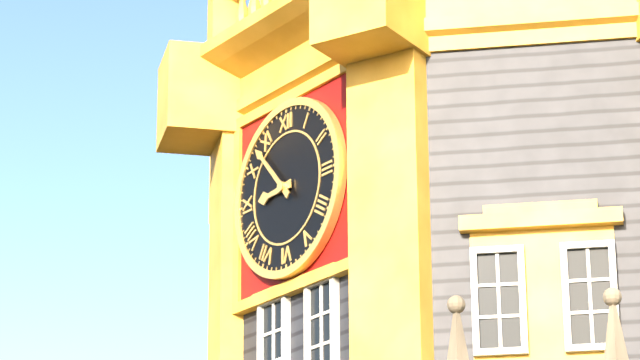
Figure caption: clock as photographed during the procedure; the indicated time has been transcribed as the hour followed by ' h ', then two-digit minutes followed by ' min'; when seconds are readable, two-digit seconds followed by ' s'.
8 h 53 min
